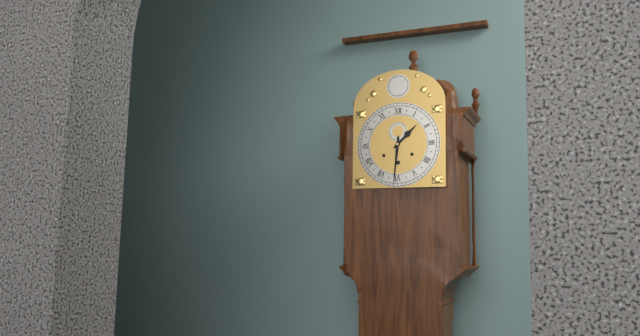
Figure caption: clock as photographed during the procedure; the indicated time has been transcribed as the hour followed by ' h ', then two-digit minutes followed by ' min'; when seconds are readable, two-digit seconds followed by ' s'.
1 h 31 min
